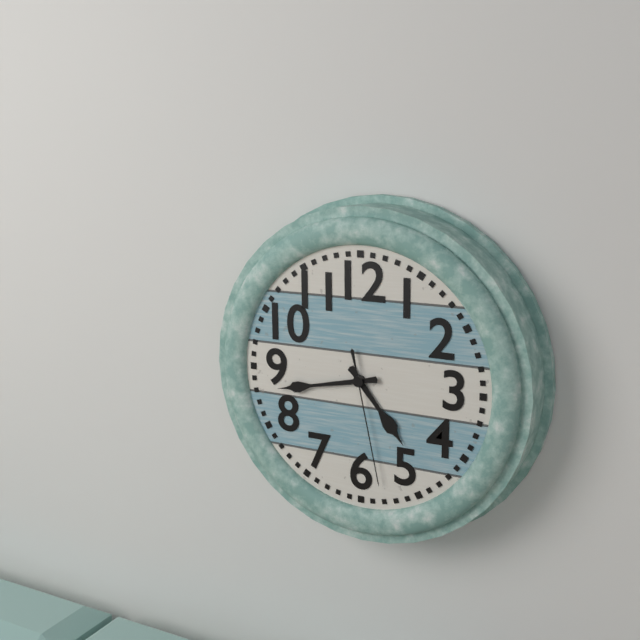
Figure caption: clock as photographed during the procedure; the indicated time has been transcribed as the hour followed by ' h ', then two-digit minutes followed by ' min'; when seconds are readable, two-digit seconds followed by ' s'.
4 h 43 min 28 s
